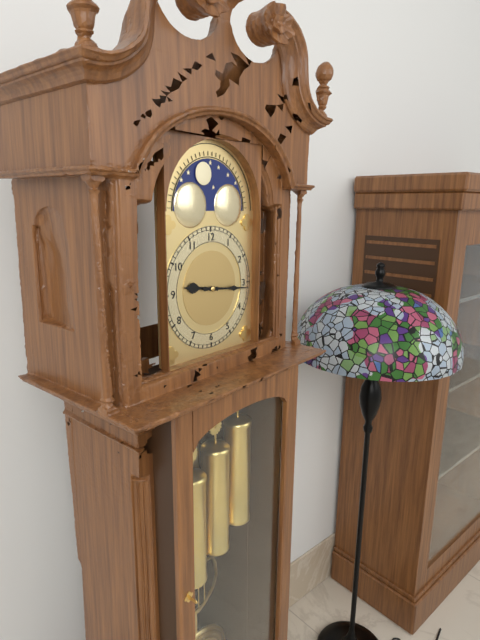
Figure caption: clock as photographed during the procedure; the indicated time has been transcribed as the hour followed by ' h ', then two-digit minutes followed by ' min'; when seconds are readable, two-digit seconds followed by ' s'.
9 h 16 min
